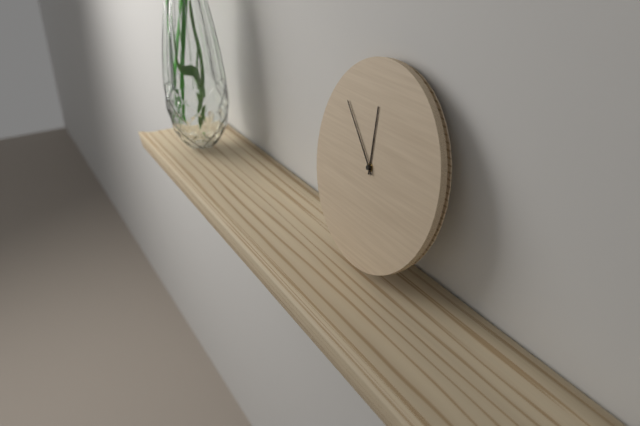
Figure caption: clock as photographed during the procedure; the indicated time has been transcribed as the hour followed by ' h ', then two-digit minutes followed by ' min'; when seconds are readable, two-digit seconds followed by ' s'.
11 h 52 min
